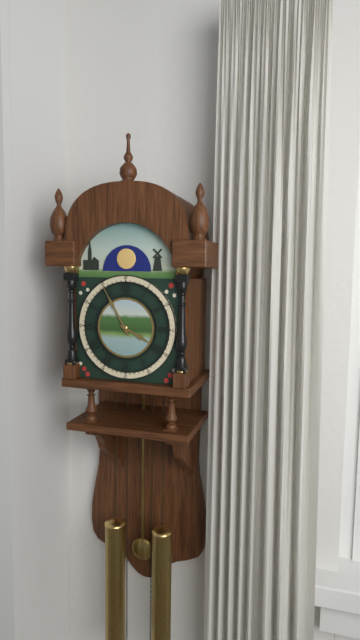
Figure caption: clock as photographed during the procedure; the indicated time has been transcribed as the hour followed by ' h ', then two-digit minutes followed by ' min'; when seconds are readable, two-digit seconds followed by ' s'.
3 h 55 min
